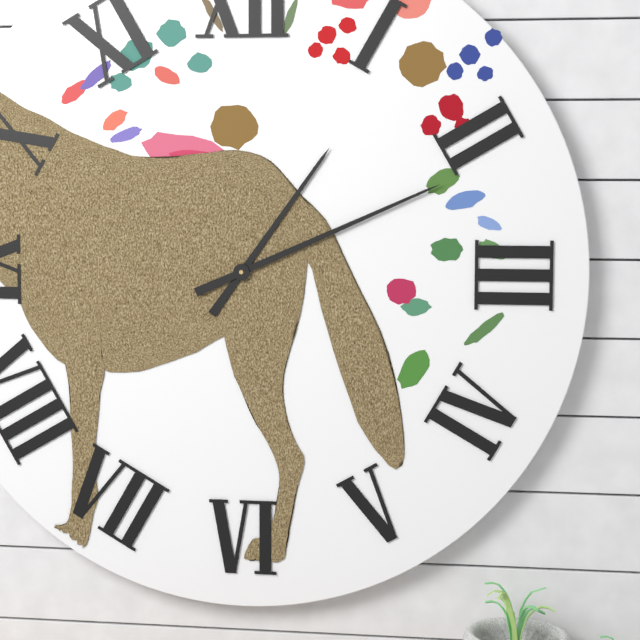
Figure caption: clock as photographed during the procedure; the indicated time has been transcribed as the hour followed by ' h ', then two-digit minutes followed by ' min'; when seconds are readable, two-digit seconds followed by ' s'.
1 h 11 min
